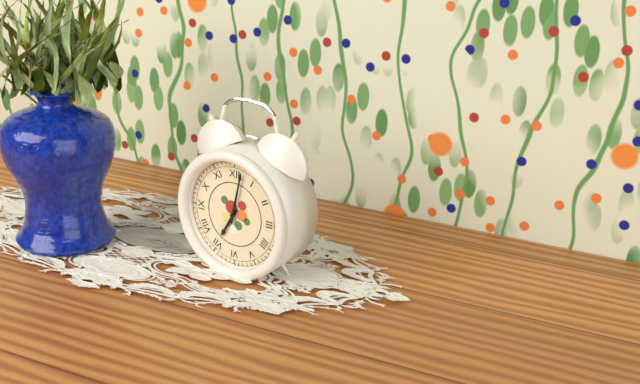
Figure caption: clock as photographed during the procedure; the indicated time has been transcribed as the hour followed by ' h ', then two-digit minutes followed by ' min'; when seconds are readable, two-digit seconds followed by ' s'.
7 h 02 min
